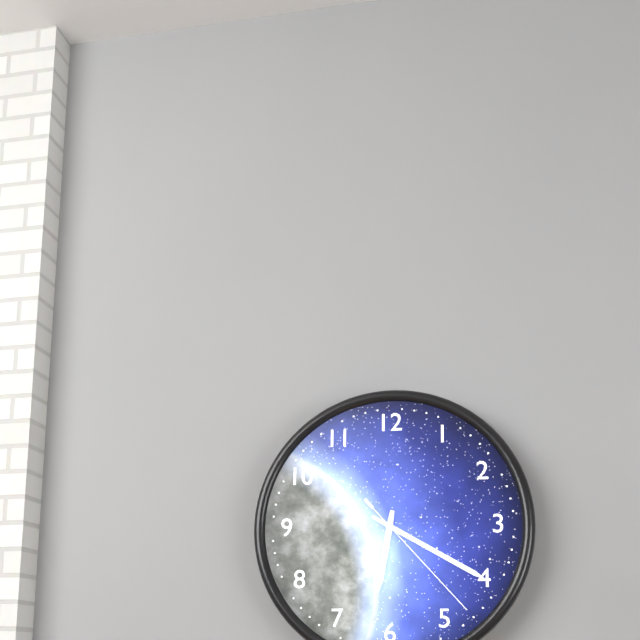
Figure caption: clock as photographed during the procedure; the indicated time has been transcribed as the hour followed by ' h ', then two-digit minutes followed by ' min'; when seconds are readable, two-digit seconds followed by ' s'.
6 h 20 min 23 s
